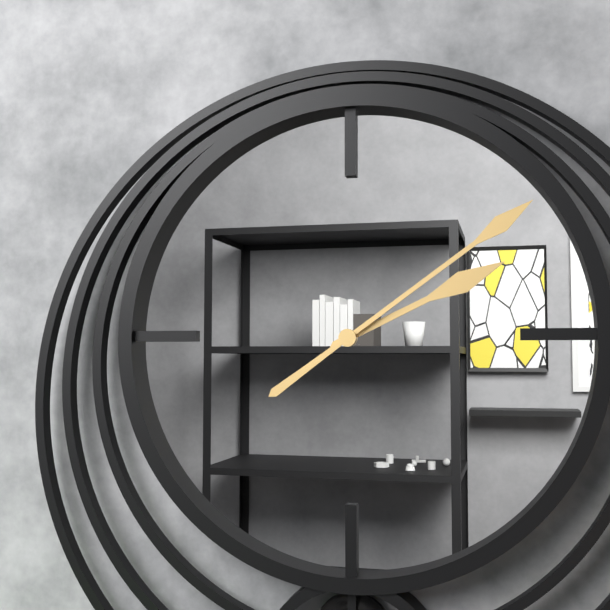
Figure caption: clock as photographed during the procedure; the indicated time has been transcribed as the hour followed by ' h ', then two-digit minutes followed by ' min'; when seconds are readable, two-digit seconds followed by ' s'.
2 h 09 min
